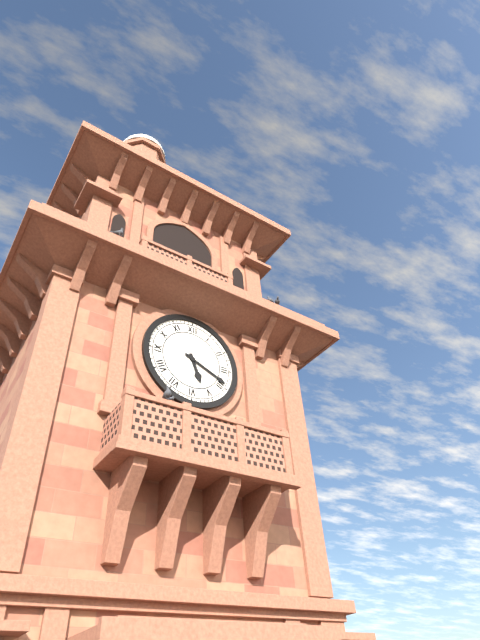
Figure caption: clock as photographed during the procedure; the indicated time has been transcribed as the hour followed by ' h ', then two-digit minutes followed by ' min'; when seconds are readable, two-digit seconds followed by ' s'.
5 h 19 min
